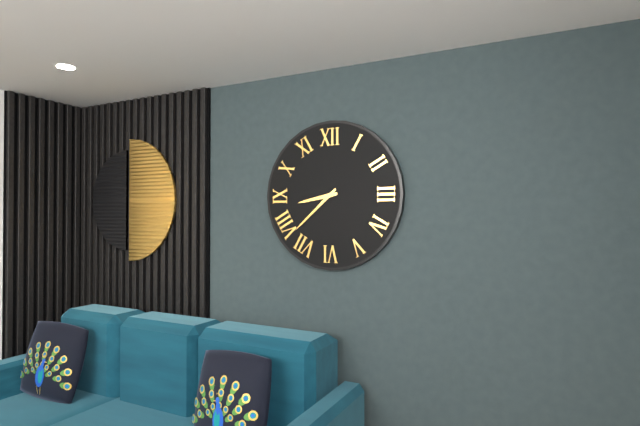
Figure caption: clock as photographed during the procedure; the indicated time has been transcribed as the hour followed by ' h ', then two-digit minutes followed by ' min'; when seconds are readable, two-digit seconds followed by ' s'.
8 h 38 min
